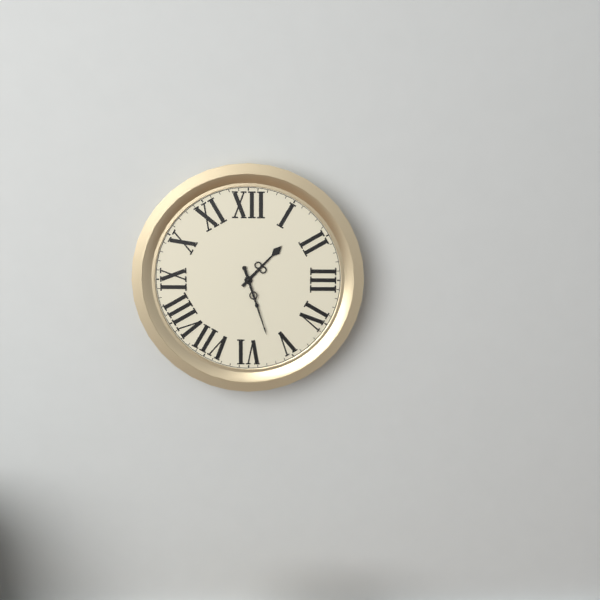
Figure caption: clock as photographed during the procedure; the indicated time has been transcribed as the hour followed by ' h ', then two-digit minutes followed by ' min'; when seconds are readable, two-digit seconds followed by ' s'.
1 h 27 min
